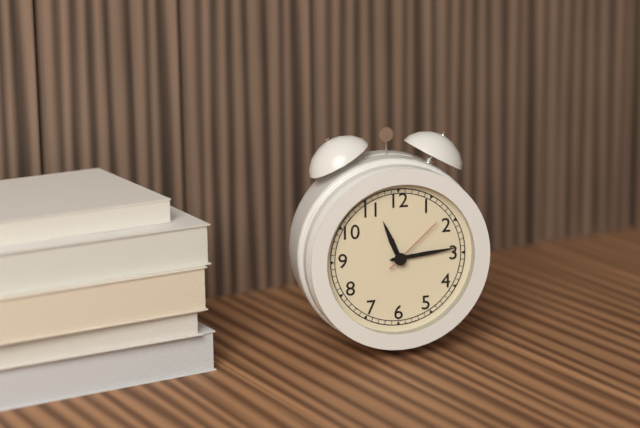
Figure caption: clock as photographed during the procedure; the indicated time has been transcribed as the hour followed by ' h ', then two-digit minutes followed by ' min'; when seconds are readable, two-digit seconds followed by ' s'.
11 h 14 min 08 s
